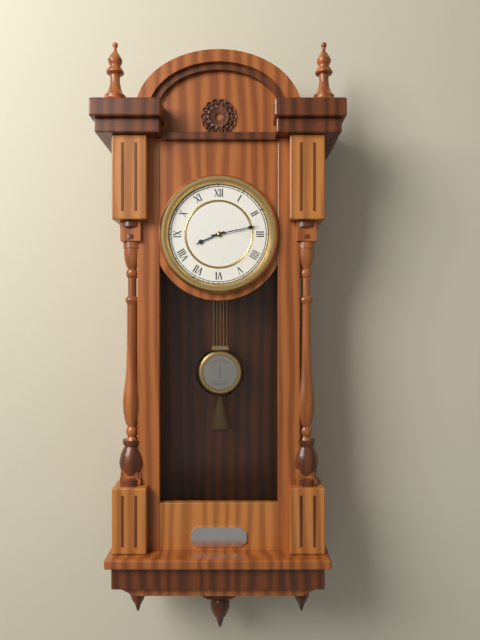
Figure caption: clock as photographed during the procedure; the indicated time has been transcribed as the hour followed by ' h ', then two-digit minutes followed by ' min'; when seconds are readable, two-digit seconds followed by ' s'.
8 h 13 min
